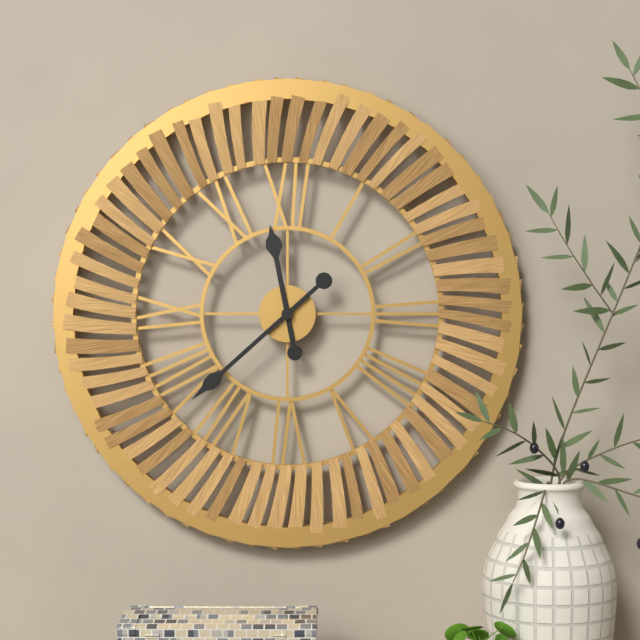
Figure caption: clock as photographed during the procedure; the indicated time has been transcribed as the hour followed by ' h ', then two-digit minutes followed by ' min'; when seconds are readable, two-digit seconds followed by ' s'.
11 h 38 min
